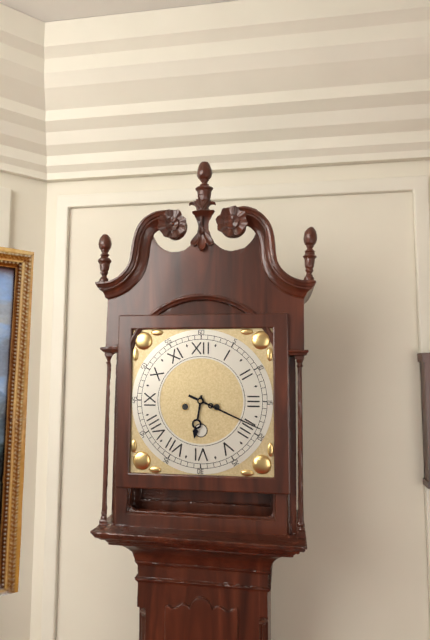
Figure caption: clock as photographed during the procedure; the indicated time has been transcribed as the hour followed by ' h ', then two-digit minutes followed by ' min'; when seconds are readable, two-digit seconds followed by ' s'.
6 h 19 min
